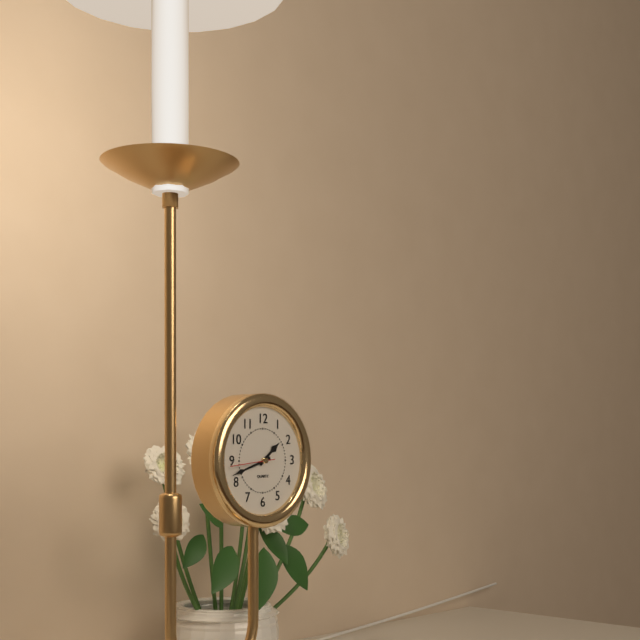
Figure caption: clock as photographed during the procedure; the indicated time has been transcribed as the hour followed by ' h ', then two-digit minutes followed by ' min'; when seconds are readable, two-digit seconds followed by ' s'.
1 h 42 min
